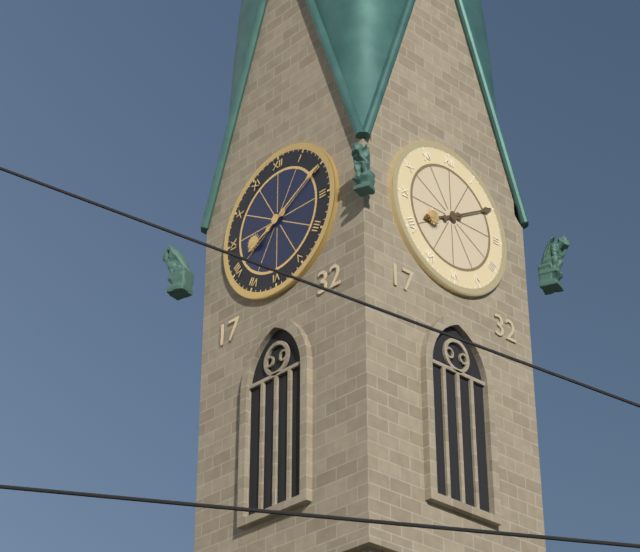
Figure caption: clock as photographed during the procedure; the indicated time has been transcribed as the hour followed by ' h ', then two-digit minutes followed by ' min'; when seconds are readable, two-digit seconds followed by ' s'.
8 h 10 min
